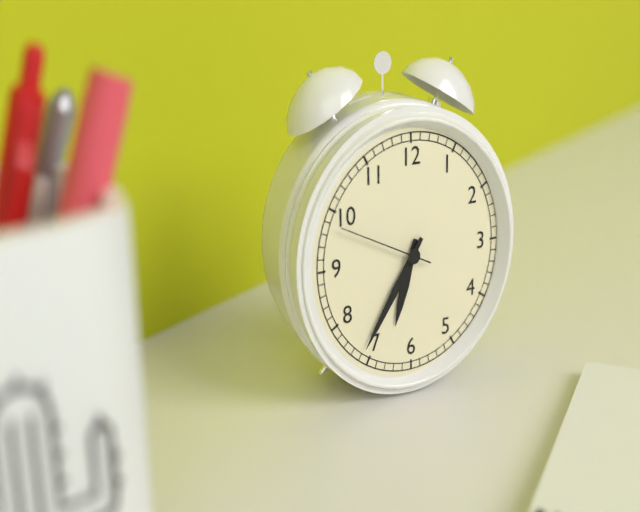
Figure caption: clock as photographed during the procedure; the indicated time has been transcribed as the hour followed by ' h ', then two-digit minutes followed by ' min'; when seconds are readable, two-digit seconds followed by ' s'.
6 h 36 min 49 s
